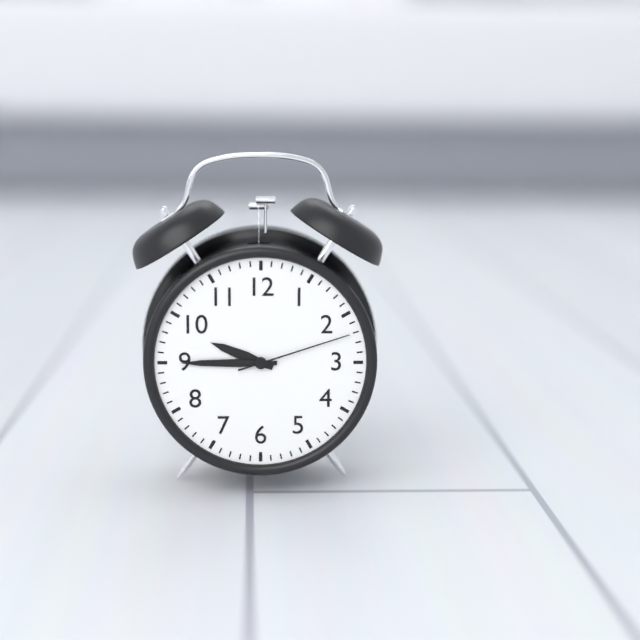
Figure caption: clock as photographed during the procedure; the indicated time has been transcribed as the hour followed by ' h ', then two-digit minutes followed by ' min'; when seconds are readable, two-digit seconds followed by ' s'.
9 h 45 min 12 s
